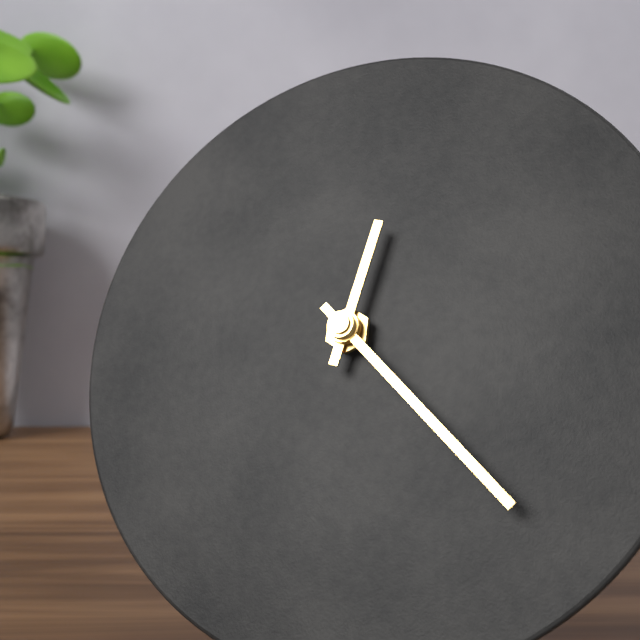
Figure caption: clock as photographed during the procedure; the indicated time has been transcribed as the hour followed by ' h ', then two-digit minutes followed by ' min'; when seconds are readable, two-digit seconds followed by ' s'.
12 h 22 min
